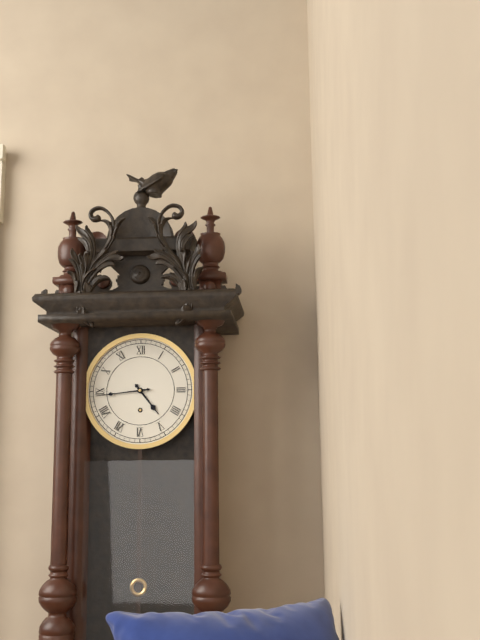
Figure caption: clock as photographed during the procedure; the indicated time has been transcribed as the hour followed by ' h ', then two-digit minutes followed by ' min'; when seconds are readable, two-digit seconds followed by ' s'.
4 h 44 min
